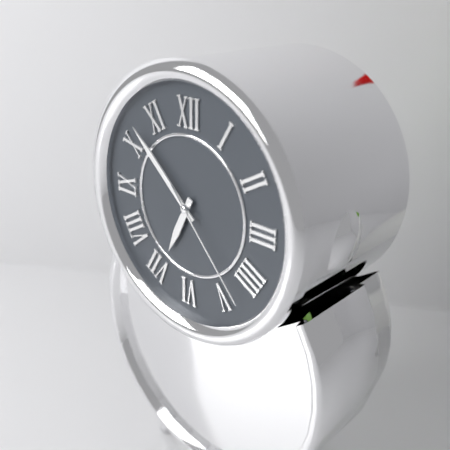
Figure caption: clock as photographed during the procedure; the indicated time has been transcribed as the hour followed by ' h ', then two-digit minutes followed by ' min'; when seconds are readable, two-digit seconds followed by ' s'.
6 h 52 min 23 s
